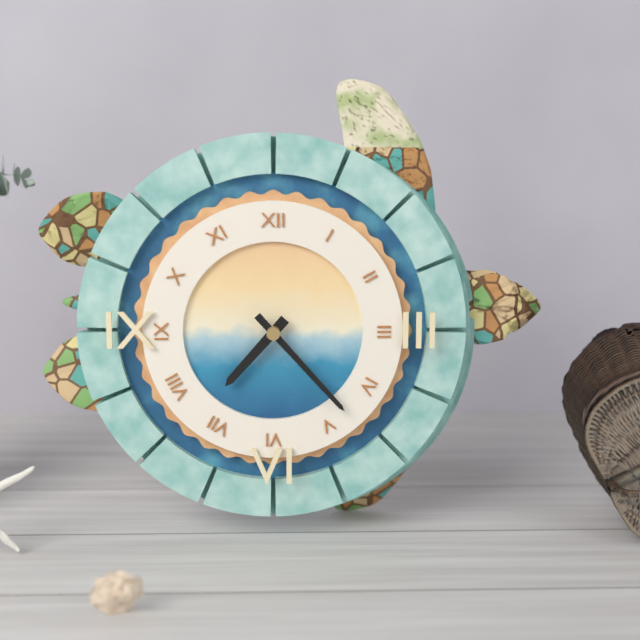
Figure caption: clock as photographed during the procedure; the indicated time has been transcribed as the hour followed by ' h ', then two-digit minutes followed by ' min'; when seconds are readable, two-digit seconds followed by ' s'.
7 h 23 min
